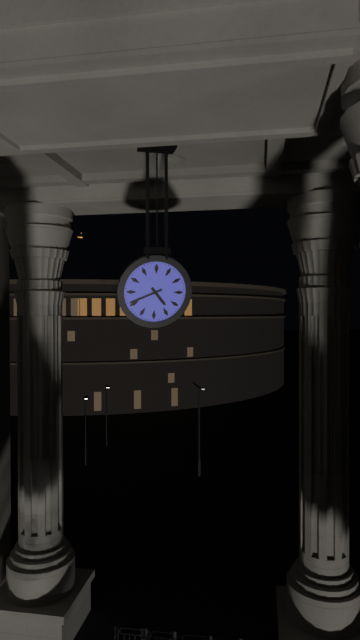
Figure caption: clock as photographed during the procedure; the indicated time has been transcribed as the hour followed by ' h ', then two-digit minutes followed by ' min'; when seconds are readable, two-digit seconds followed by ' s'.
4 h 41 min
